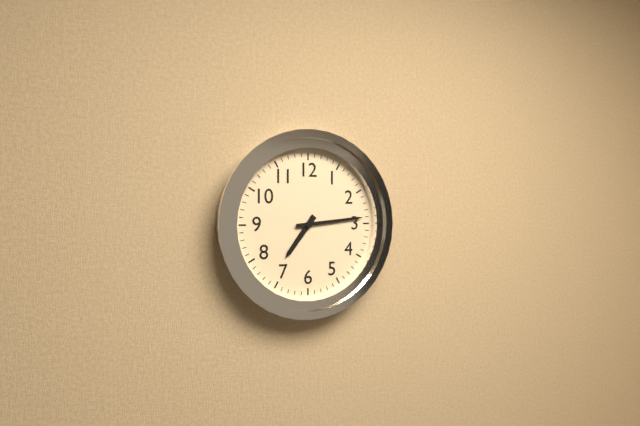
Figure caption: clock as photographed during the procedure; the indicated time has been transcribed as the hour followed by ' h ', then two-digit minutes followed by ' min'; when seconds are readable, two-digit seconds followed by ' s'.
7 h 14 min
